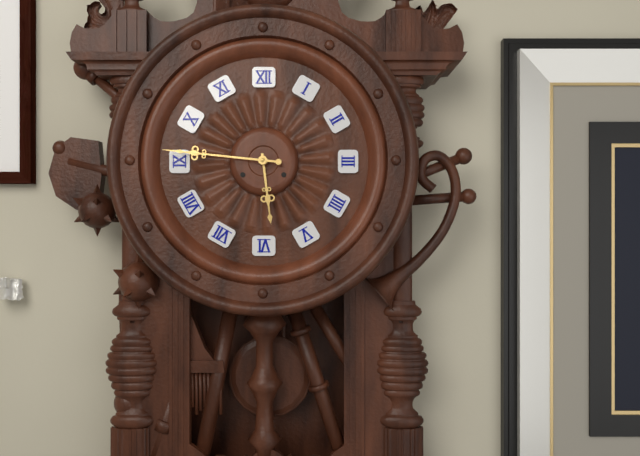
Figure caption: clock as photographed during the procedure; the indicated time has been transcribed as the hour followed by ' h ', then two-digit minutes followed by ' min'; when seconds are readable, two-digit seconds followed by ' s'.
5 h 46 min
